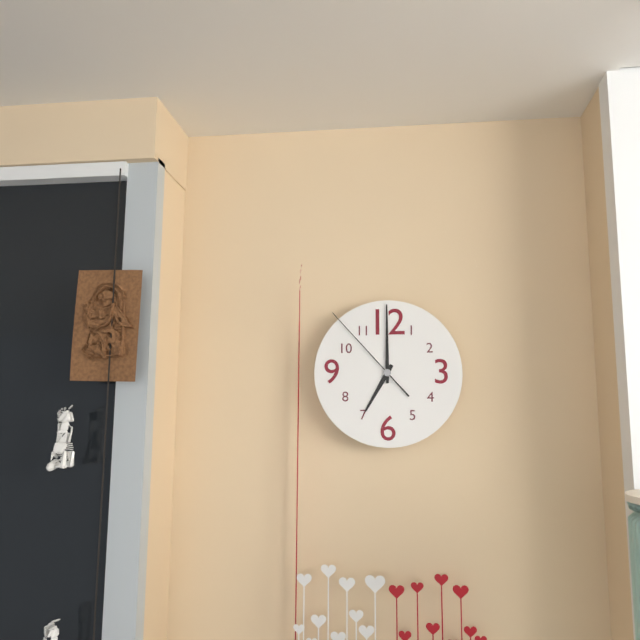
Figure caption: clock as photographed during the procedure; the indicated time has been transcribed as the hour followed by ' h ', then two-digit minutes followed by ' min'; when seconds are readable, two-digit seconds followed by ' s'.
7 h 00 min 53 s
